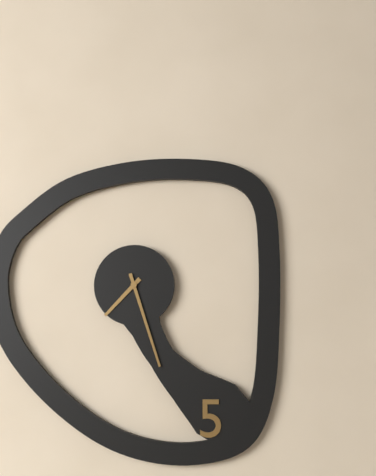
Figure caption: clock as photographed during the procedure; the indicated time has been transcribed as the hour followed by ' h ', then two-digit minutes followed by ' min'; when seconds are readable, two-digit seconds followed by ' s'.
7 h 27 min
